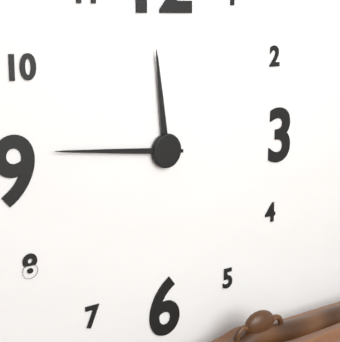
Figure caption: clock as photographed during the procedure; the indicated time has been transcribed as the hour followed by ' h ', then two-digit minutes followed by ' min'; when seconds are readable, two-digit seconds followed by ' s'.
11 h 46 min
